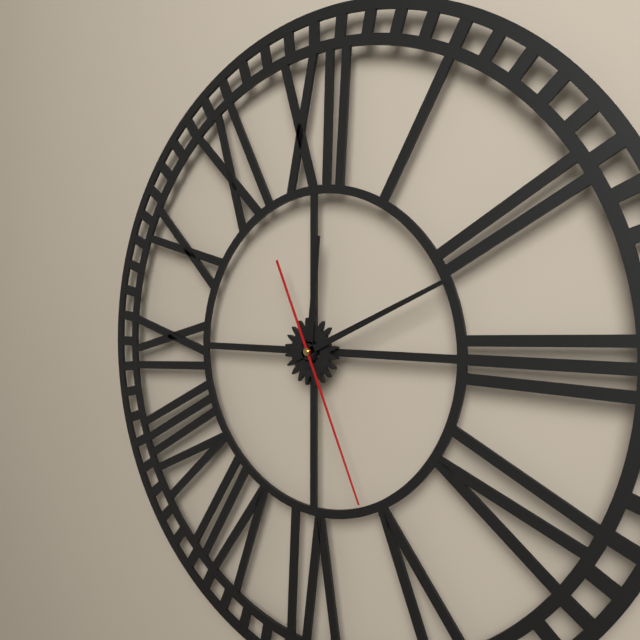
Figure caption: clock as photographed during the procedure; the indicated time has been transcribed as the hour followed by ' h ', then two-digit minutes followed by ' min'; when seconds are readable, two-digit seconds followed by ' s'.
12 h 11 min 26 s
